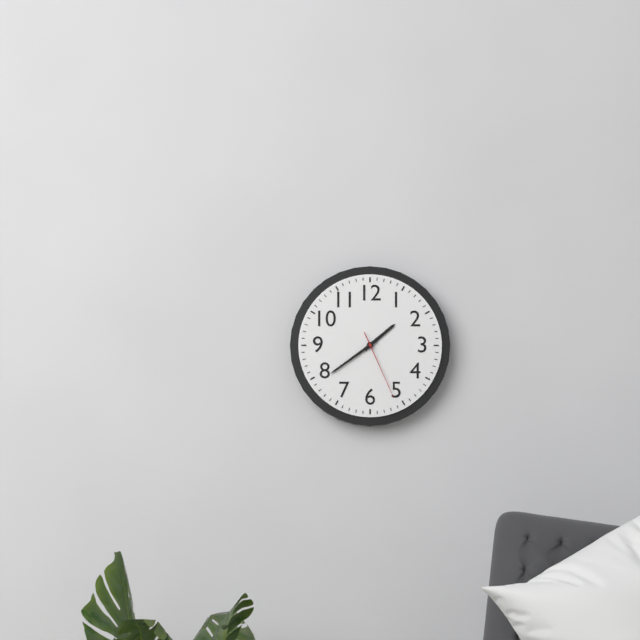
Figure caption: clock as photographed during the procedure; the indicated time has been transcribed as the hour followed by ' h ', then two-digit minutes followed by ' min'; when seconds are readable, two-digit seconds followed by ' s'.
1 h 39 min 26 s
